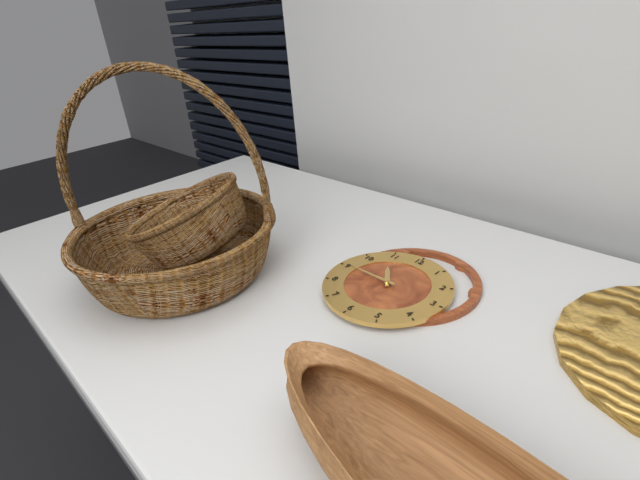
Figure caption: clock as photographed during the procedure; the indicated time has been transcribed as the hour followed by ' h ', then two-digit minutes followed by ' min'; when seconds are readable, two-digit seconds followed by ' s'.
10 h 45 min
